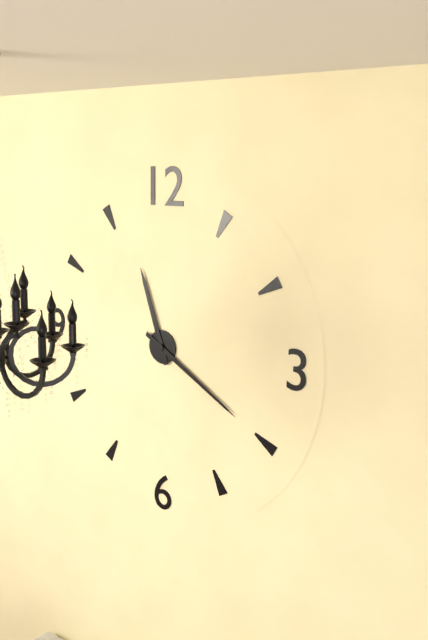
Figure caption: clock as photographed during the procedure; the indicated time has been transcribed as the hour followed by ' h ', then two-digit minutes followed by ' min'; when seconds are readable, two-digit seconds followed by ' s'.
11 h 20 min
